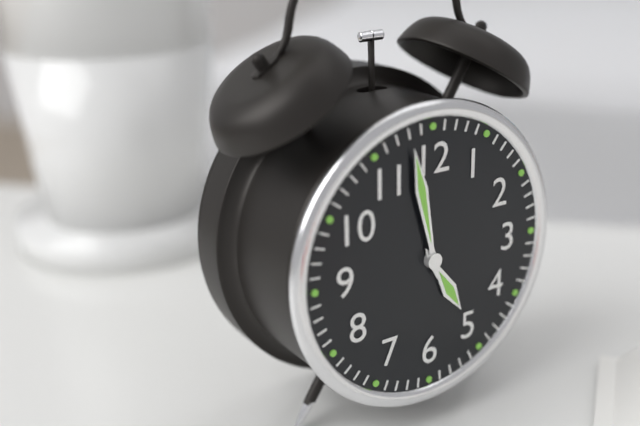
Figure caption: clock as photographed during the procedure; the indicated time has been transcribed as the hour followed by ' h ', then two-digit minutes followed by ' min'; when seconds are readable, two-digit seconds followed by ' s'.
4 h 58 min
